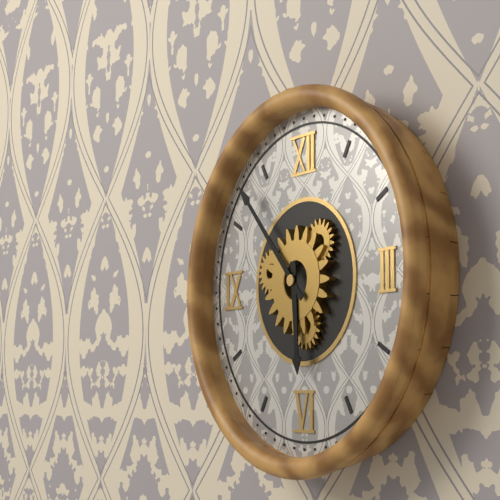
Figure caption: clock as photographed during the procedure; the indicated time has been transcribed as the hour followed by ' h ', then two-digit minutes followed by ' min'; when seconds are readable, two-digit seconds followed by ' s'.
5 h 53 min
